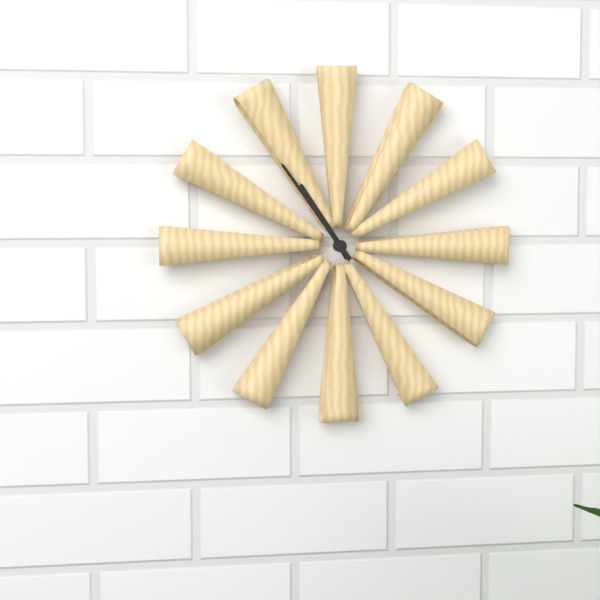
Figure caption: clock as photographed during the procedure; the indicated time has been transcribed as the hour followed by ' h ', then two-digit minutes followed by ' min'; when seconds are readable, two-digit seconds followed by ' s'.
10 h 54 min
